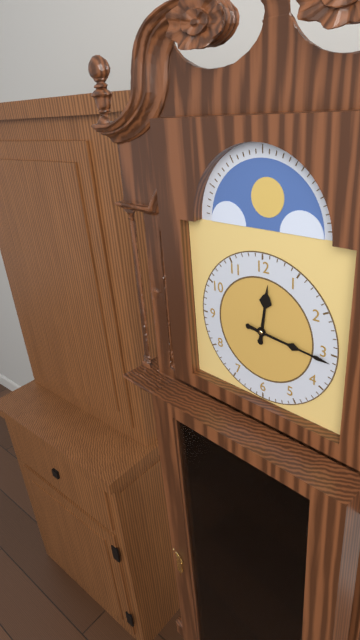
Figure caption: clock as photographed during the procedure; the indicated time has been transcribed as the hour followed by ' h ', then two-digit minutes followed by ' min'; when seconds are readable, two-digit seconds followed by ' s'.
12 h 16 min
